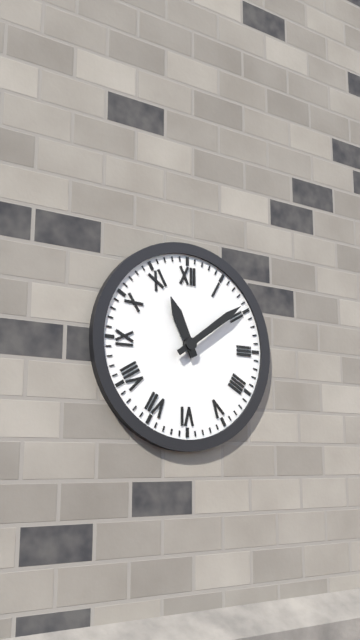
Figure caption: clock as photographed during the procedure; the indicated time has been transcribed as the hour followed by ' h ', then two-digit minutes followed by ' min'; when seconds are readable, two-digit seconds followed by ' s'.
11 h 09 min
